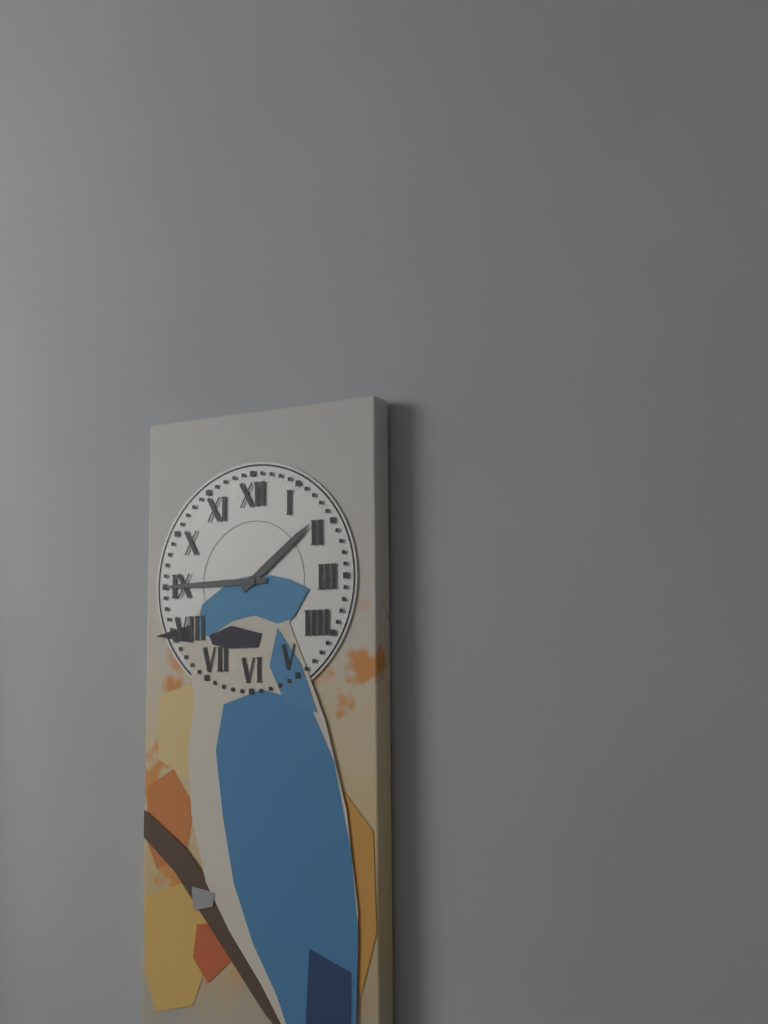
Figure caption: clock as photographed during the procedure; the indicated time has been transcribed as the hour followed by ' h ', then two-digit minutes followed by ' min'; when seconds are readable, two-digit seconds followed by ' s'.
1 h 45 min
